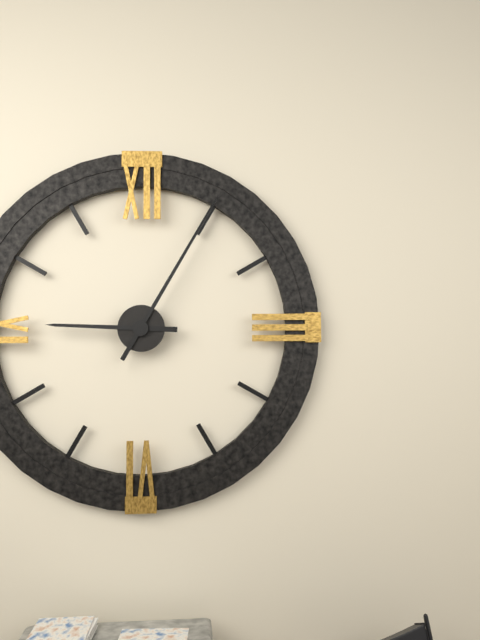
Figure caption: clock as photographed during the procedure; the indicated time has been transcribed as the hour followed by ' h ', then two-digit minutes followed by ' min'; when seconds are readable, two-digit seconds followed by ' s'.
9 h 05 min
